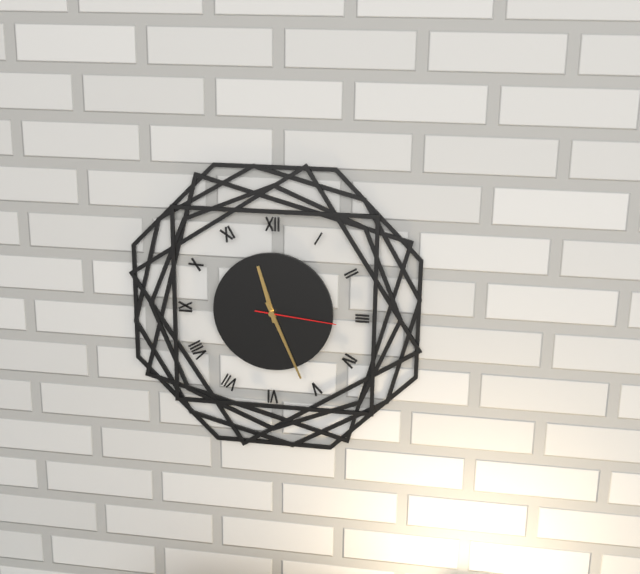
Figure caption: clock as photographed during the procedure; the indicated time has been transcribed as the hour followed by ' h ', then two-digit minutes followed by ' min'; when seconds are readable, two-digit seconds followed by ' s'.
11 h 26 min 16 s
